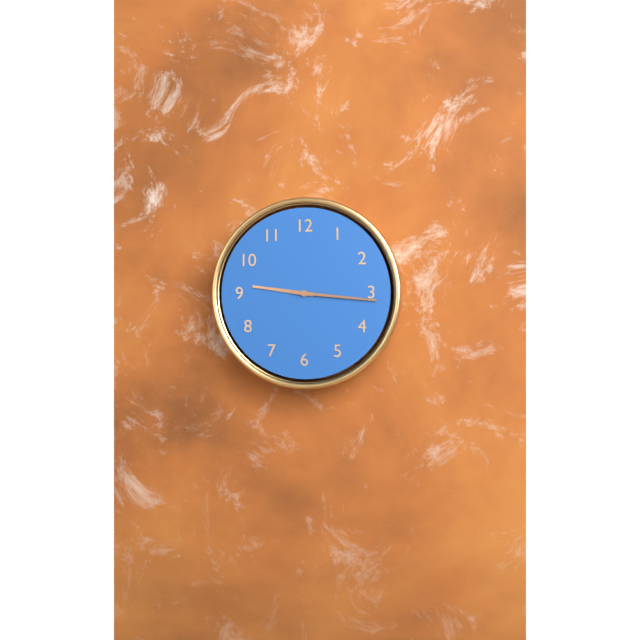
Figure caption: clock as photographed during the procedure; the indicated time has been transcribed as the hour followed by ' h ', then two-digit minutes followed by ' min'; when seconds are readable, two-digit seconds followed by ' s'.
9 h 16 min
